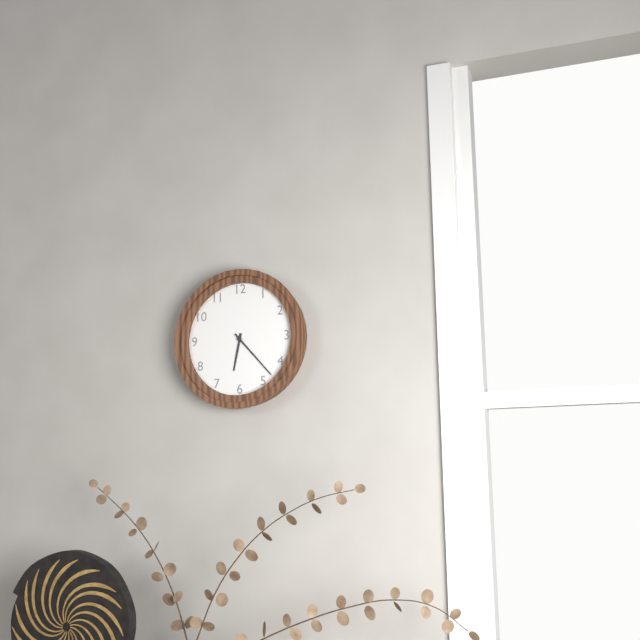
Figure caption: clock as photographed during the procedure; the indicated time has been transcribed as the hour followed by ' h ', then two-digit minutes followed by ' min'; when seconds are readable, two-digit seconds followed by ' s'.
6 h 23 min
